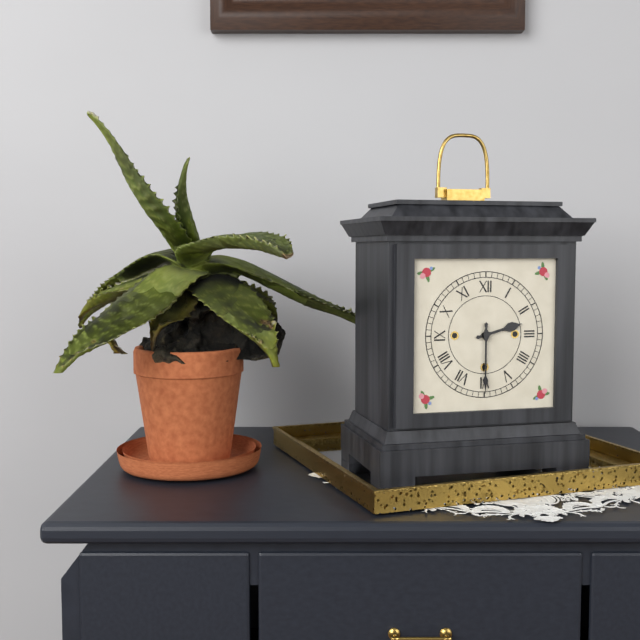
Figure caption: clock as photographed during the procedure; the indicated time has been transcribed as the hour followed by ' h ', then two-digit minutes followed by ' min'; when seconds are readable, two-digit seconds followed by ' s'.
2 h 30 min
